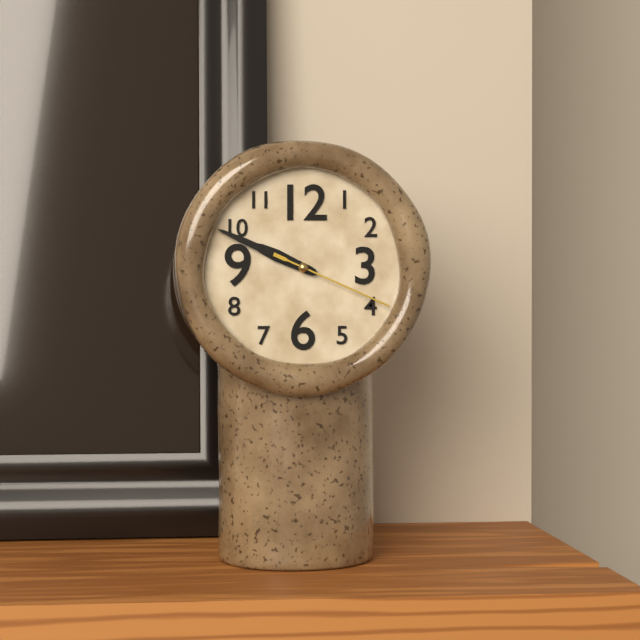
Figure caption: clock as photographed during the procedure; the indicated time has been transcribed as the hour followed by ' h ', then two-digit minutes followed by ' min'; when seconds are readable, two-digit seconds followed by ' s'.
9 h 49 min 19 s
